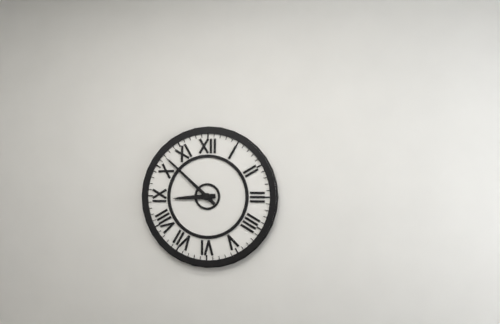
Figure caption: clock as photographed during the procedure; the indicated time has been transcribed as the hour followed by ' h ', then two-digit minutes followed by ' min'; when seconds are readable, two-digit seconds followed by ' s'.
8 h 52 min
